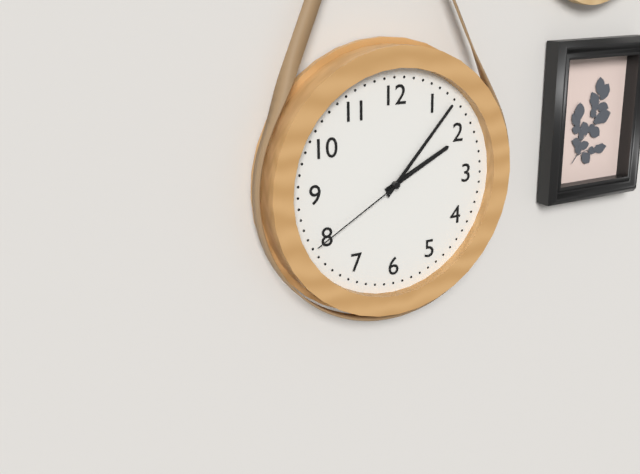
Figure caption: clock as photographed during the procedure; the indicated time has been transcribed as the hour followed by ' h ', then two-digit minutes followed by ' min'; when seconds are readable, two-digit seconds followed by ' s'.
2 h 07 min 40 s
